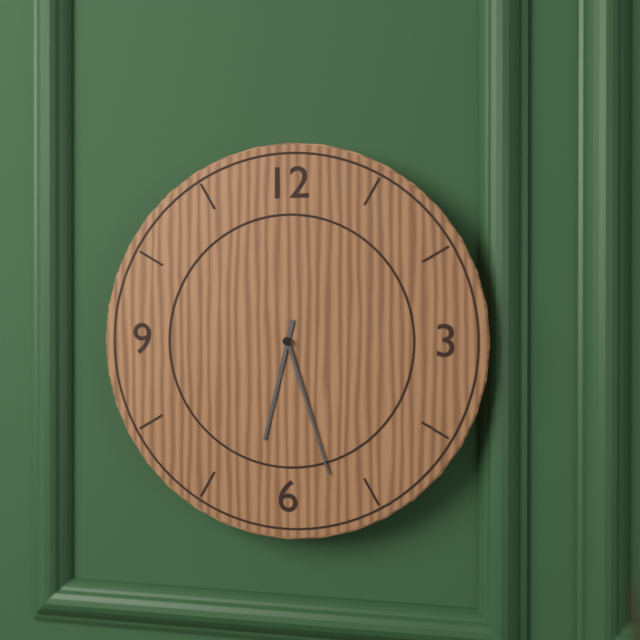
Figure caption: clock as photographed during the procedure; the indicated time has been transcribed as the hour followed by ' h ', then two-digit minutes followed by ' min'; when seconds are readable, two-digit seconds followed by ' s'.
6 h 27 min
